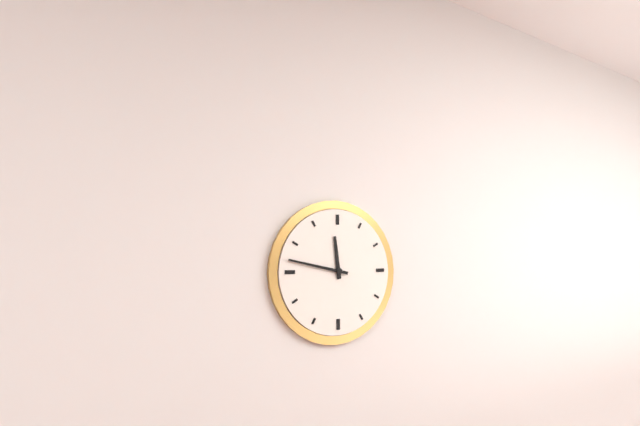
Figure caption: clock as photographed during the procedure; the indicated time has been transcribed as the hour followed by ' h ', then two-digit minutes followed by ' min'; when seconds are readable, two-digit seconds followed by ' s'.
11 h 47 min
